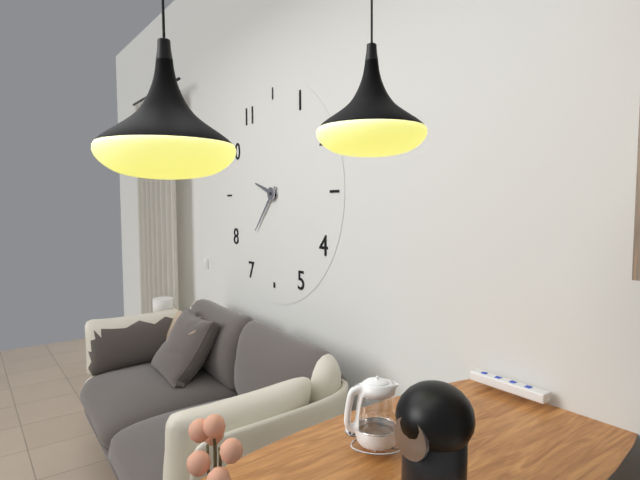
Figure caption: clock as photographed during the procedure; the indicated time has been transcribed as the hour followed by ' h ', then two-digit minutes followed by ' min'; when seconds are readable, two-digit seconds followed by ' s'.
9 h 37 min
